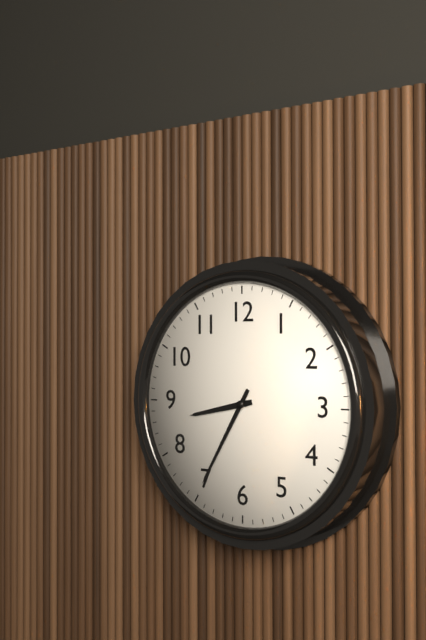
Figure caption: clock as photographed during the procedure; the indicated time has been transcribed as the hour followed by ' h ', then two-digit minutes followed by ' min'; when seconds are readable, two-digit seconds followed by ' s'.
8 h 35 min
